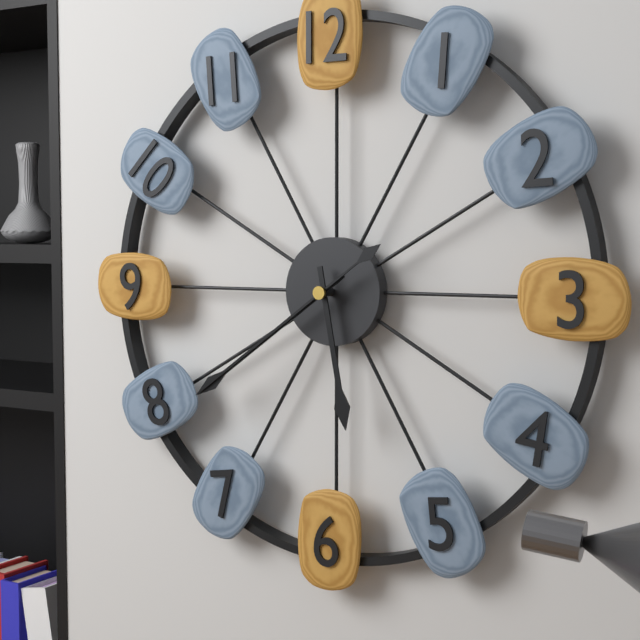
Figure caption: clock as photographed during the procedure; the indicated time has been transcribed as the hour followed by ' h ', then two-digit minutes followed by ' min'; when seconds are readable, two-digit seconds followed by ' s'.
5 h 39 min 39 s
